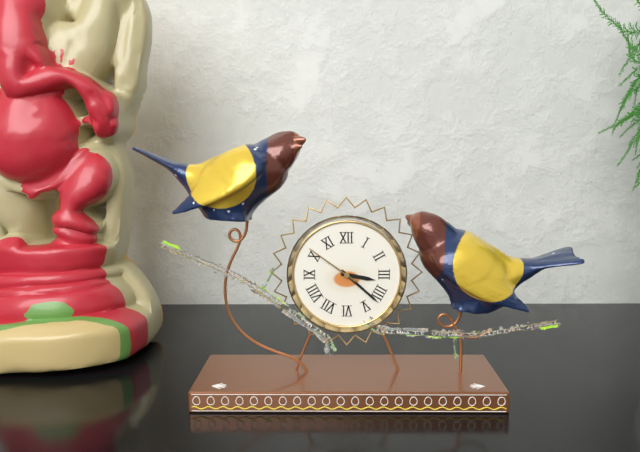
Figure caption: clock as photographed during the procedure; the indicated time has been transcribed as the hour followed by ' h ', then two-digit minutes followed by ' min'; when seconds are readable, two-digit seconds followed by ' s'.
3 h 22 min 51 s
